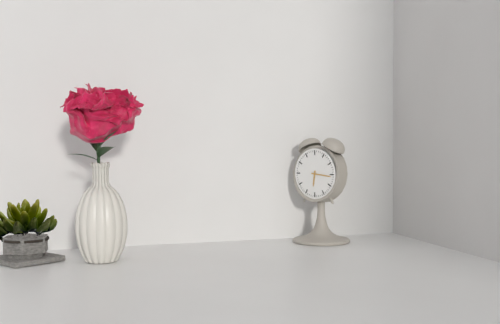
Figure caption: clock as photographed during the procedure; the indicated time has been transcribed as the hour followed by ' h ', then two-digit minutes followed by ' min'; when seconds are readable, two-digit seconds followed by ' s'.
6 h 16 min
